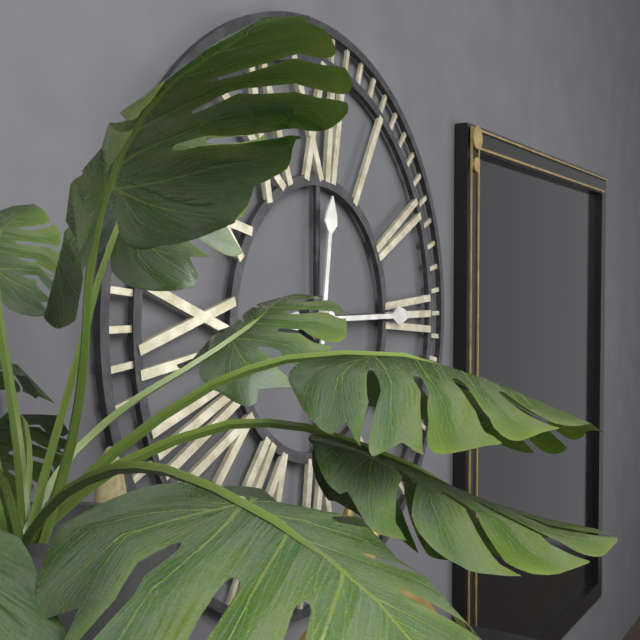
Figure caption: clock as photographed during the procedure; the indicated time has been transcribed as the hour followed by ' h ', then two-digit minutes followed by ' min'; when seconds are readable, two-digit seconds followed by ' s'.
12 h 15 min
